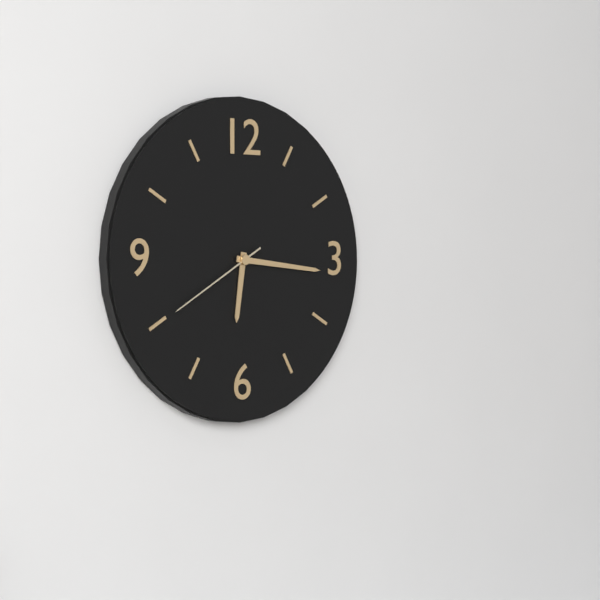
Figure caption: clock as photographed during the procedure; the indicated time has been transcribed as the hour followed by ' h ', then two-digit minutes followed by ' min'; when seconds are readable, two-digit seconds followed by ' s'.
6 h 16 min 40 s
